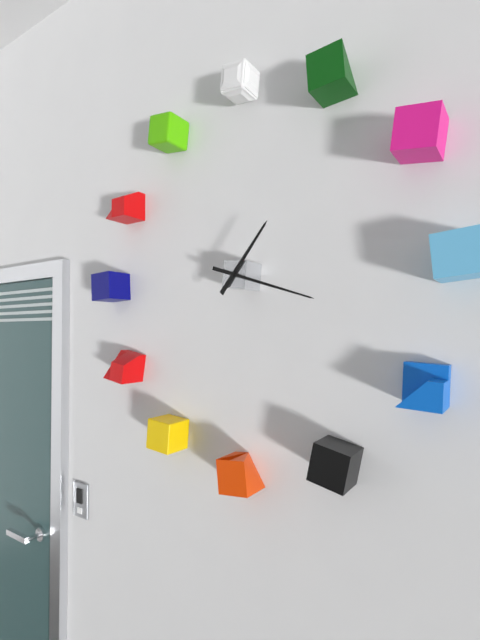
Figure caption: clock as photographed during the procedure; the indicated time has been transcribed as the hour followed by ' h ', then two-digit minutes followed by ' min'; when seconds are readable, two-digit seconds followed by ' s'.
1 h 18 min
